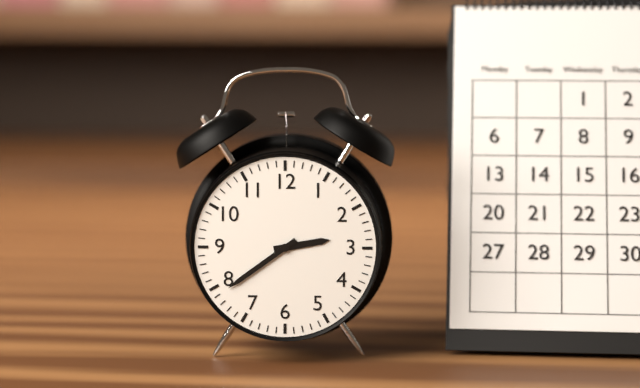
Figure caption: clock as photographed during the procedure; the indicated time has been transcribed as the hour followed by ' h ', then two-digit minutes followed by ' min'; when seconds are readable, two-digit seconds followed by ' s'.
2 h 39 min
